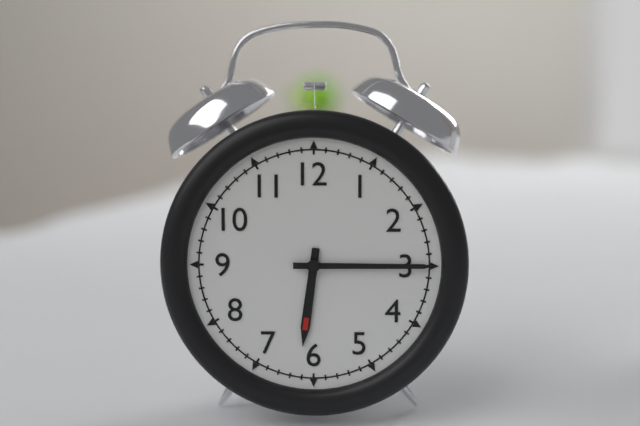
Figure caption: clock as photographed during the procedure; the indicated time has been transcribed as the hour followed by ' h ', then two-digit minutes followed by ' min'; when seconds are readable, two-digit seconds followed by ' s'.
6 h 15 min
